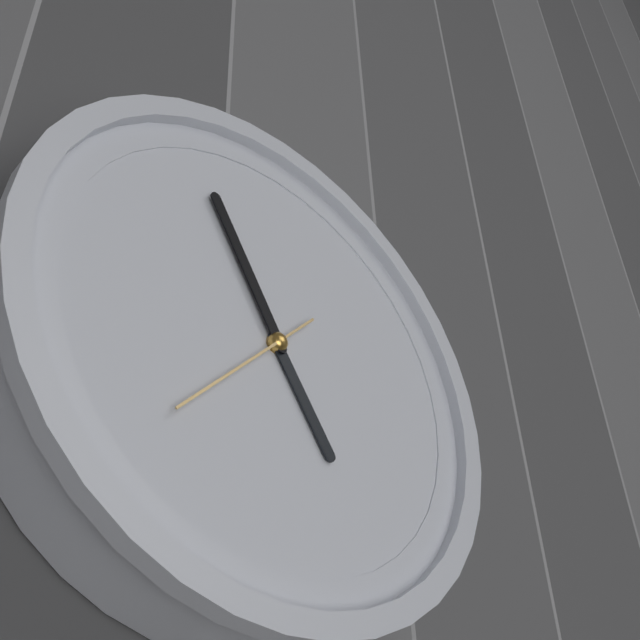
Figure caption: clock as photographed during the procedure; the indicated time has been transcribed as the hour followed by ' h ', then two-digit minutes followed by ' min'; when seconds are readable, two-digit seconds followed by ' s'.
4 h 55 min 37 s
